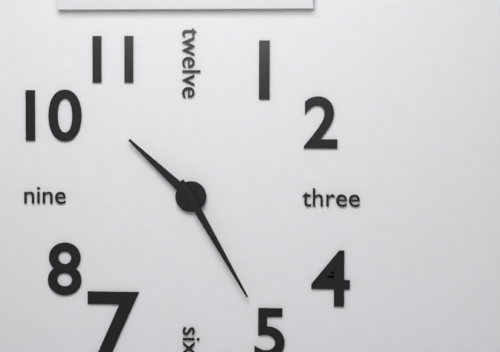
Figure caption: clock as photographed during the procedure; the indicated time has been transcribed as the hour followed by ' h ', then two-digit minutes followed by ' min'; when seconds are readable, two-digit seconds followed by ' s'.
10 h 25 min
